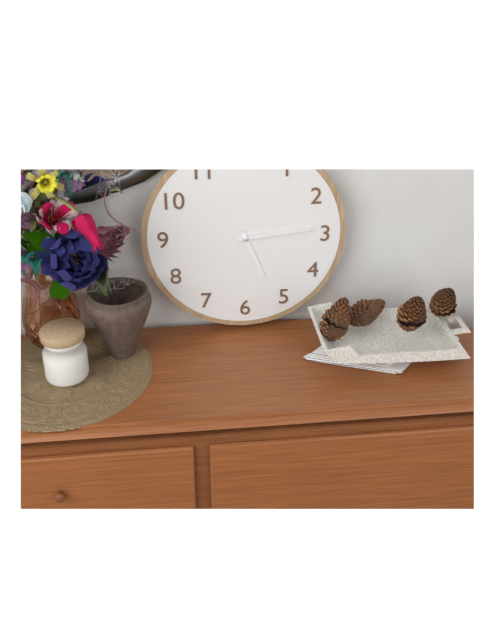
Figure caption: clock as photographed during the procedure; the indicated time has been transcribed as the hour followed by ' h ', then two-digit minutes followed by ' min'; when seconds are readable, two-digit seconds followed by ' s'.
5 h 14 min
